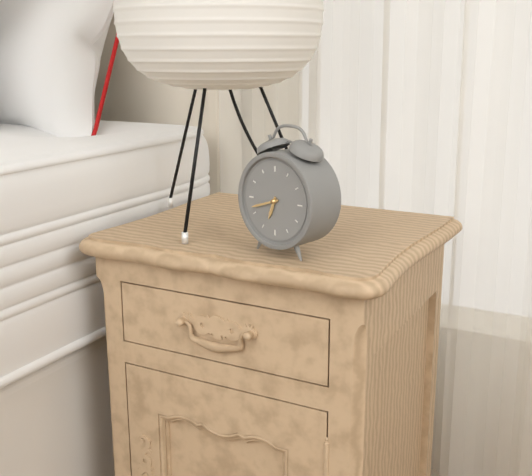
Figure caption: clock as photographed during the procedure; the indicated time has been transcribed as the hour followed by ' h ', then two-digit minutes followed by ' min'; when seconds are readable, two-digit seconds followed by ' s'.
6 h 42 min
